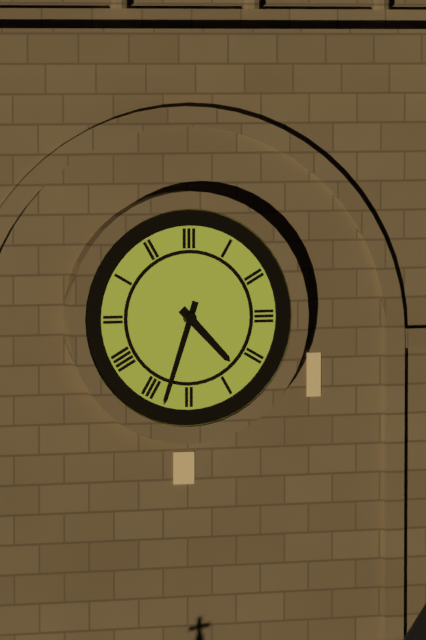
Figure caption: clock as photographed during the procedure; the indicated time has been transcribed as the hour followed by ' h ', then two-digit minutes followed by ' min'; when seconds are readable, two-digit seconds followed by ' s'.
4 h 33 min
